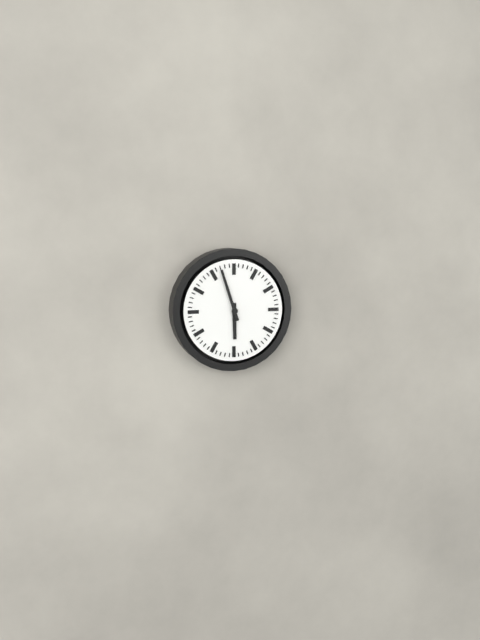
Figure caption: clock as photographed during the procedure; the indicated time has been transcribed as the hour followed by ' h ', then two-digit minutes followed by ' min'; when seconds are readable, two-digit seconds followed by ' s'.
5 h 57 min
